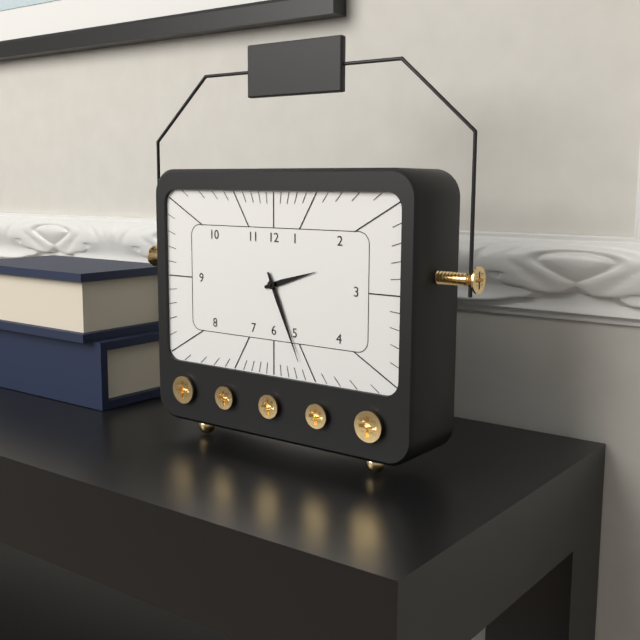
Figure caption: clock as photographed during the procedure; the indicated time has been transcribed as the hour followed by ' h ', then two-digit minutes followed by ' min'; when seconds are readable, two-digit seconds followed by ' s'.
2 h 26 min
